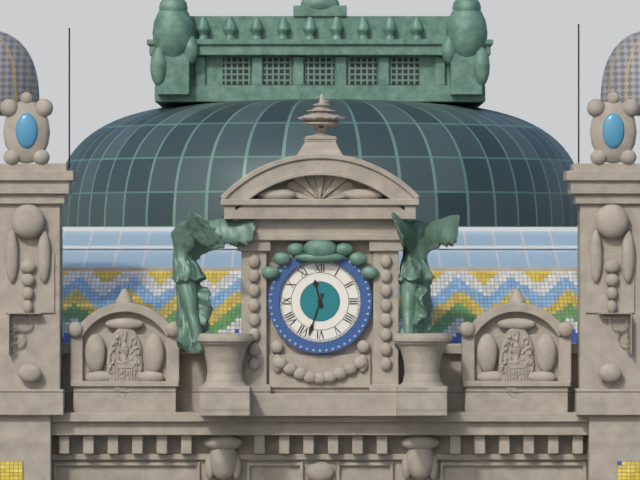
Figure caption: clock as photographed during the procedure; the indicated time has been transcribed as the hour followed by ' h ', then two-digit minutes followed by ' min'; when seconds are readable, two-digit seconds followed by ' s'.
11 h 33 min
